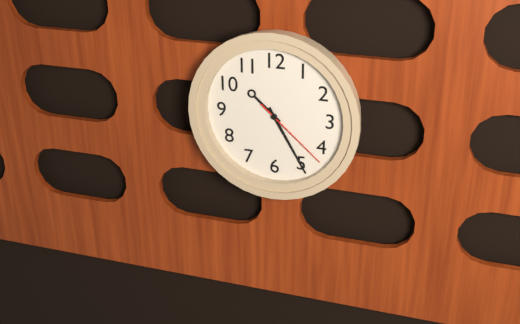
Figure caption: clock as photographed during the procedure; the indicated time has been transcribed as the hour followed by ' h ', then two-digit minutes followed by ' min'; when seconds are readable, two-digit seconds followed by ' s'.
10 h 25 min 22 s
